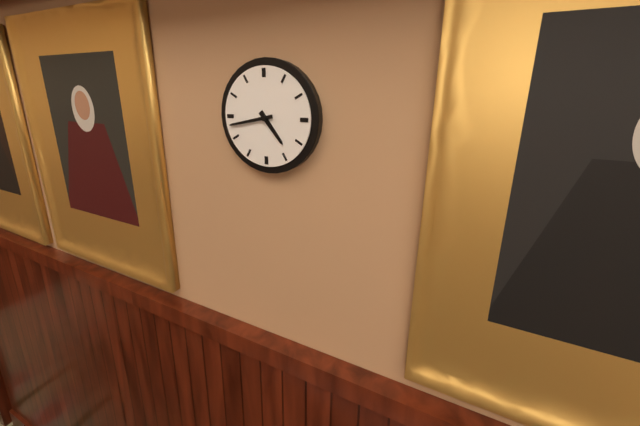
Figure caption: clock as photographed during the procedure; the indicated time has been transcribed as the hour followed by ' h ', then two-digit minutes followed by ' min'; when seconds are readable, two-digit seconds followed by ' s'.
4 h 43 min
